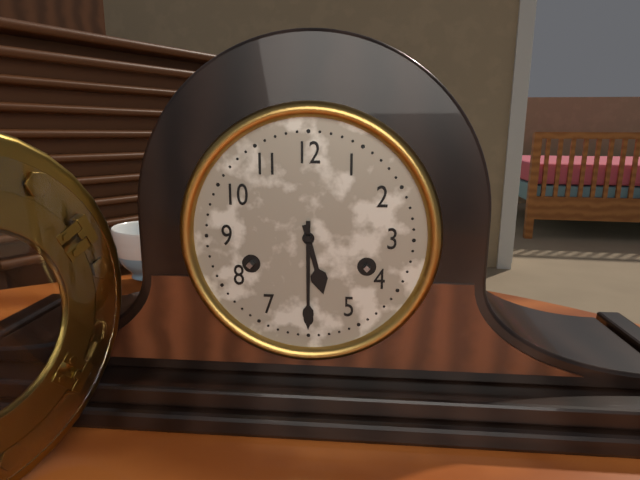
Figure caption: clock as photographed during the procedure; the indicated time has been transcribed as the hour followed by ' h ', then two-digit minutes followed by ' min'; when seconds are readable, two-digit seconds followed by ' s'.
5 h 30 min
